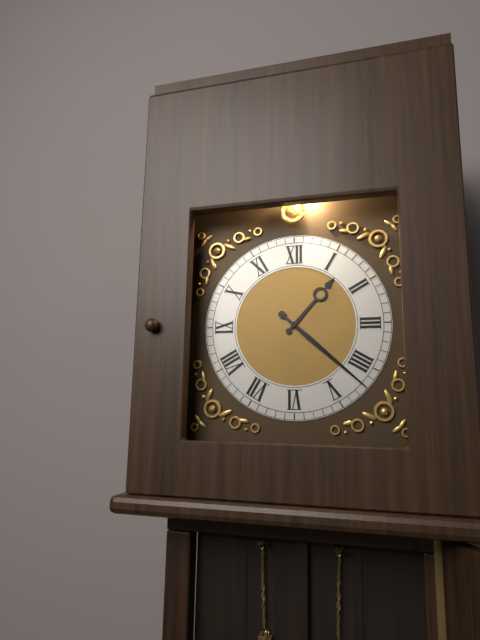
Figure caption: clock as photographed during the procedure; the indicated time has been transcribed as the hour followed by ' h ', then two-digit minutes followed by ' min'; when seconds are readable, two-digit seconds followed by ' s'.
1 h 22 min
